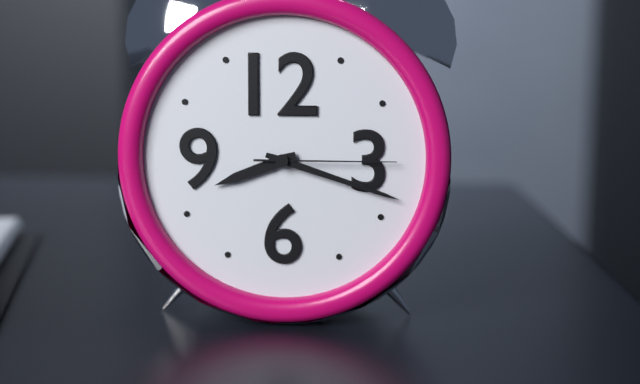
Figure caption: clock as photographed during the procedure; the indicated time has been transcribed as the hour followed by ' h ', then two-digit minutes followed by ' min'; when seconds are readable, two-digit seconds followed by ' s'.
8 h 18 min 15 s
